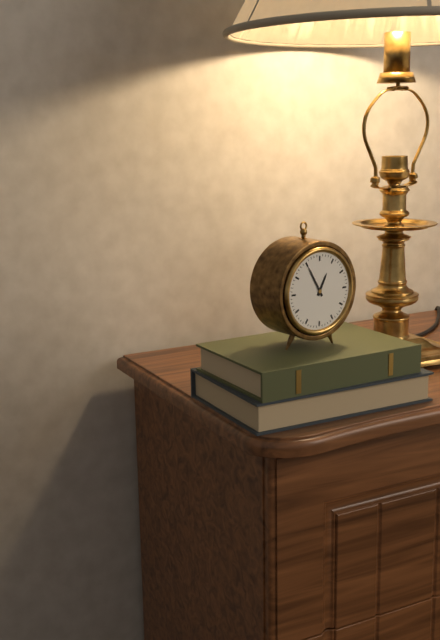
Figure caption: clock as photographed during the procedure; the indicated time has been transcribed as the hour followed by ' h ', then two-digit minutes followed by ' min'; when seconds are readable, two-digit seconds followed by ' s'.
12 h 55 min
